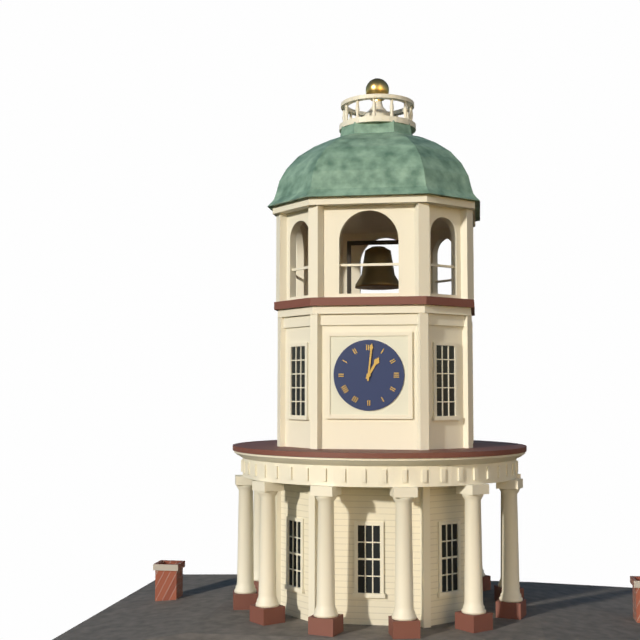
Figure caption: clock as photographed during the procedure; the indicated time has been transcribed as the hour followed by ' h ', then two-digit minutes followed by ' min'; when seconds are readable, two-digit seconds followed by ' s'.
1 h 01 min
